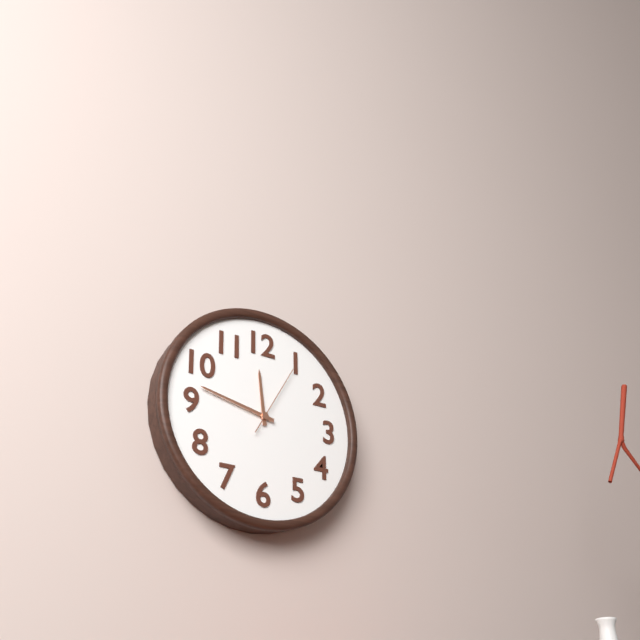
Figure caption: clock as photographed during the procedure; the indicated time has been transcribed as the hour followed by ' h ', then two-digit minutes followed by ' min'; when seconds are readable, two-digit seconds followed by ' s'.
11 h 47 min 05 s
